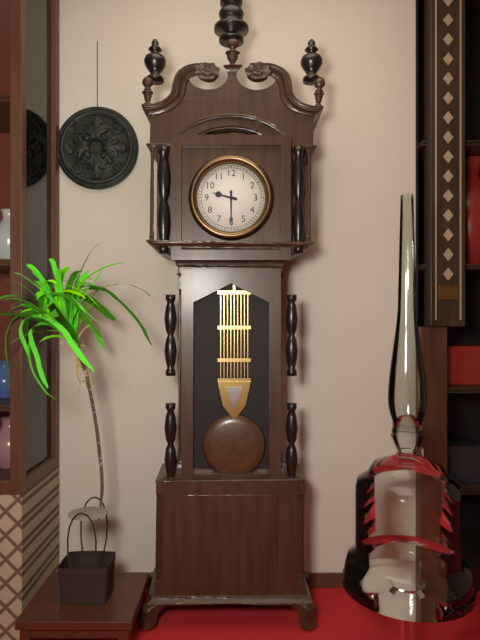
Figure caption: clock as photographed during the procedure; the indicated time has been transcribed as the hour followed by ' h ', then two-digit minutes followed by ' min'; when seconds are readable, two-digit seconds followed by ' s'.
9 h 30 min
